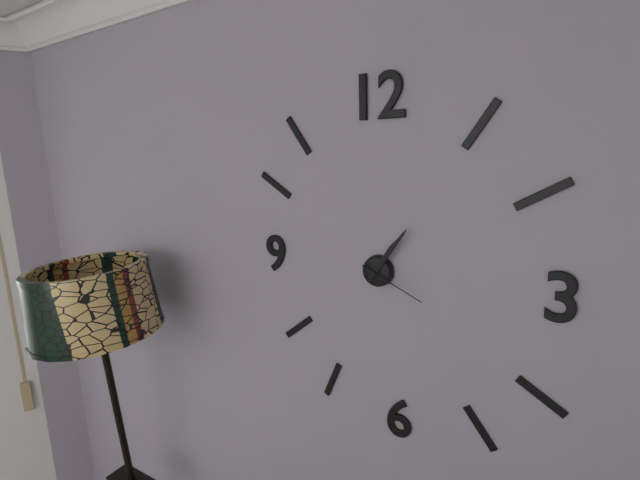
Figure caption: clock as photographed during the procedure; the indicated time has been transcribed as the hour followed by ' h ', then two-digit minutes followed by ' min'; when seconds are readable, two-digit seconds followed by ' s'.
1 h 06 min 19 s
